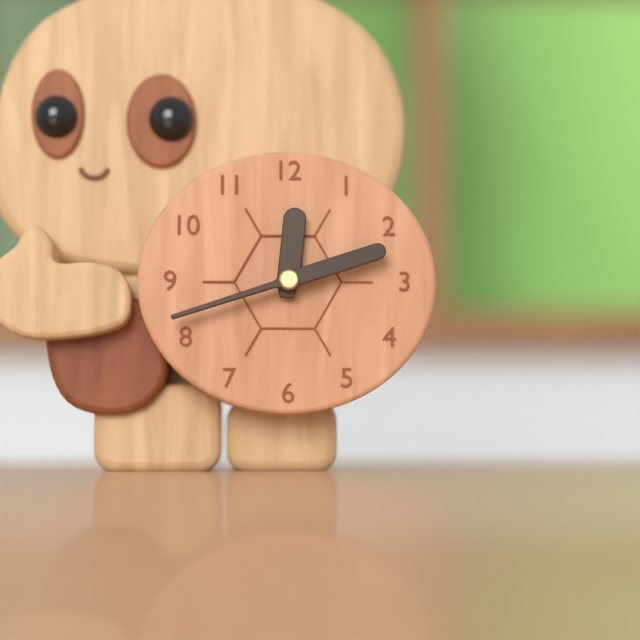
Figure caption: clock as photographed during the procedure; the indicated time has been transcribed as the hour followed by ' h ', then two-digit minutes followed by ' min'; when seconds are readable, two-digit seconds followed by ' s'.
12 h 12 min
